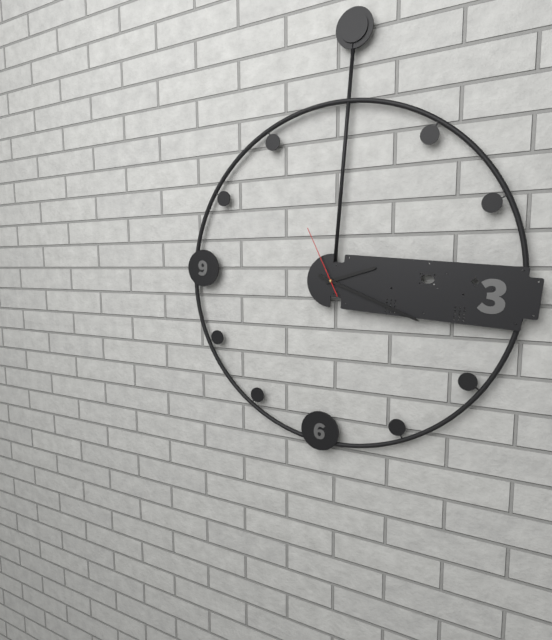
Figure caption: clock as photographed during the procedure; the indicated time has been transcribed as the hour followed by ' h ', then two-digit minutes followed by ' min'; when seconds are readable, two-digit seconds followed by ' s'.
2 h 18 min 55 s
